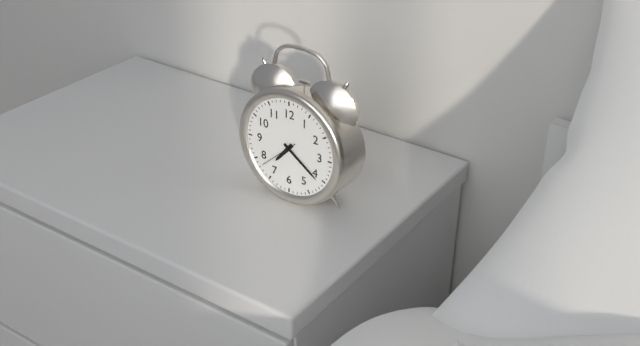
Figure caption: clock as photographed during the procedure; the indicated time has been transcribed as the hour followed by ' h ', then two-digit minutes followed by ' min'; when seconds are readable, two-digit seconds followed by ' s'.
7 h 21 min
